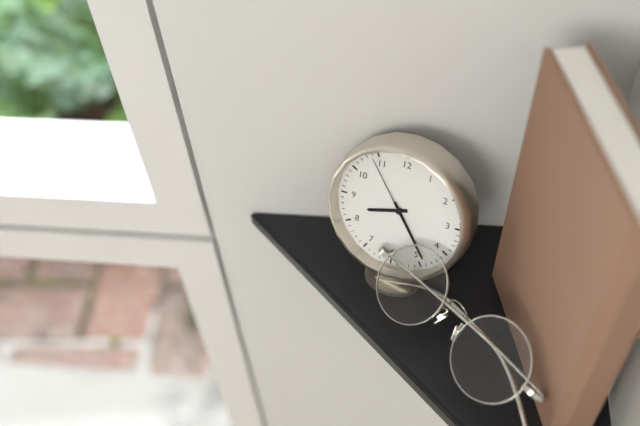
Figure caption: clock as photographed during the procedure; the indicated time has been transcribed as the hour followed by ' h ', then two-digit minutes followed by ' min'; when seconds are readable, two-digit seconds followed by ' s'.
8 h 24 min 54 s
